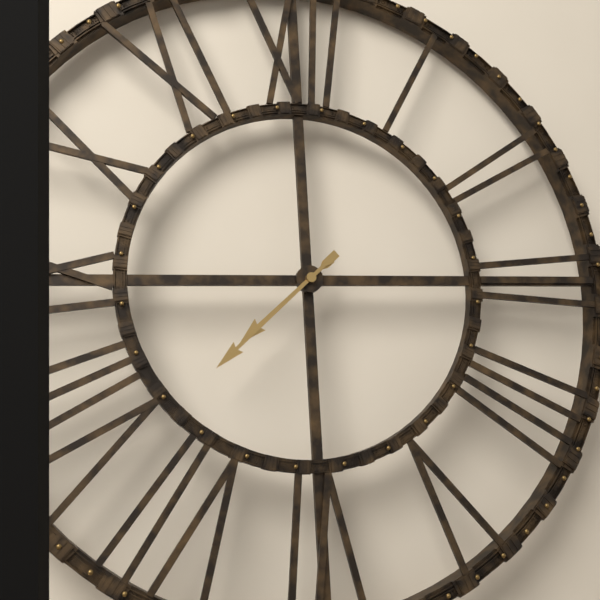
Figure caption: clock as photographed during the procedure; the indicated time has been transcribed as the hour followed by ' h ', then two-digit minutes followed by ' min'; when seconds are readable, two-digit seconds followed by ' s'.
7 h 38 min
